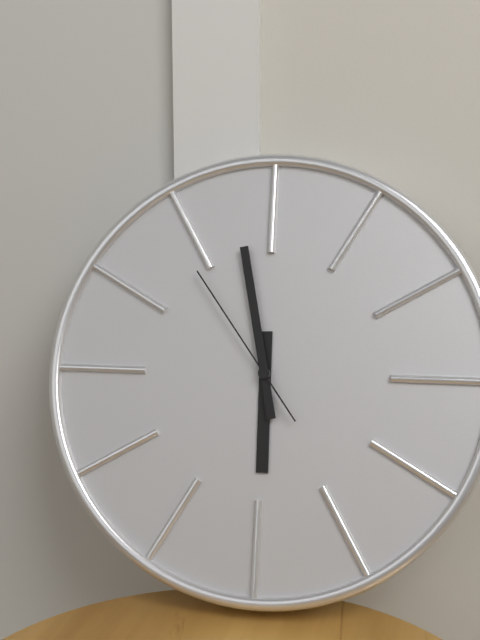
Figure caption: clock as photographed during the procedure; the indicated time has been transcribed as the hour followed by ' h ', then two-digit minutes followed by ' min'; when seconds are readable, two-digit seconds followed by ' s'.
5 h 58 min 54 s
